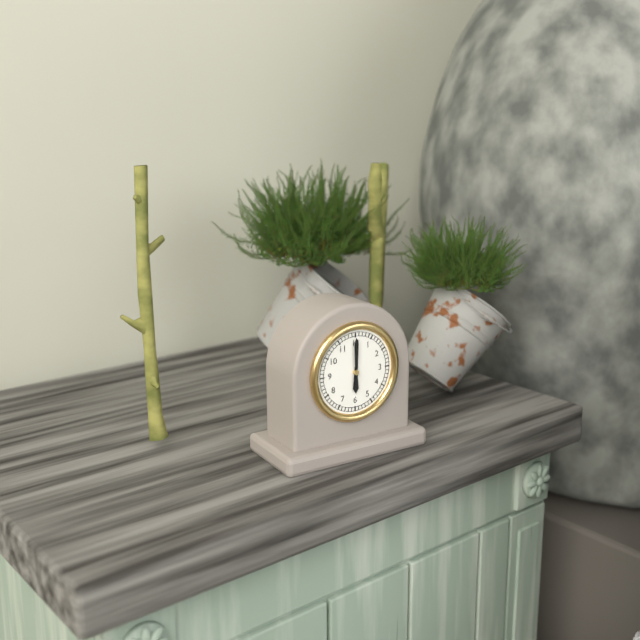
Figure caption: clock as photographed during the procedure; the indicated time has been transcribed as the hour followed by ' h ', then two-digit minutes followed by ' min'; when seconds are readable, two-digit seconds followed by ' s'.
6 h 00 min
